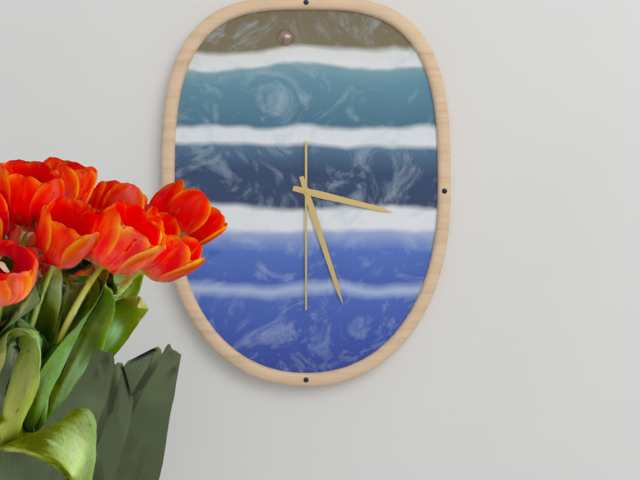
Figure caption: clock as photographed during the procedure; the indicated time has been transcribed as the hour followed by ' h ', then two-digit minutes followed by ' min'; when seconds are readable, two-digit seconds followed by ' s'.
3 h 27 min 30 s
